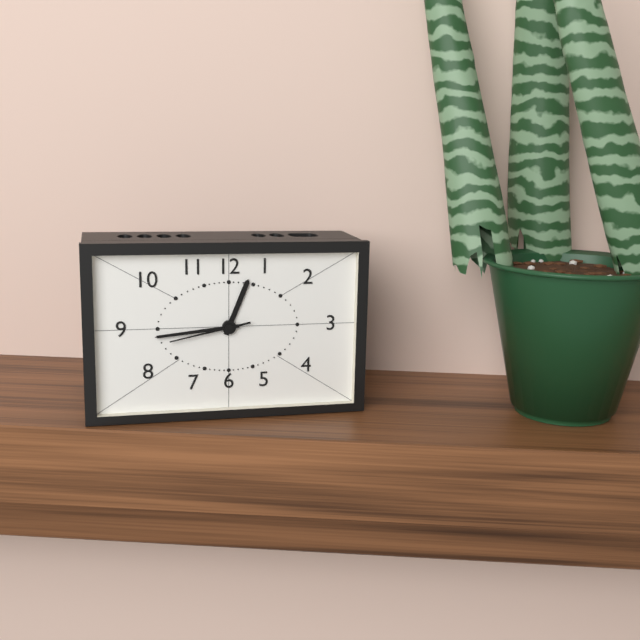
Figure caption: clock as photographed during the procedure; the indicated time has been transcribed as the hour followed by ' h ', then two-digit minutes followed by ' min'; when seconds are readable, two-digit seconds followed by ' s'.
12 h 44 min 43 s
